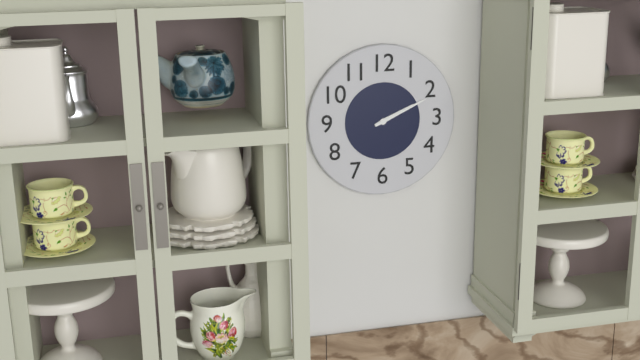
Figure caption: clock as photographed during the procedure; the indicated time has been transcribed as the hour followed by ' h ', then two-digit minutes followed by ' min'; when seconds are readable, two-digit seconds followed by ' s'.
2 h 11 min
